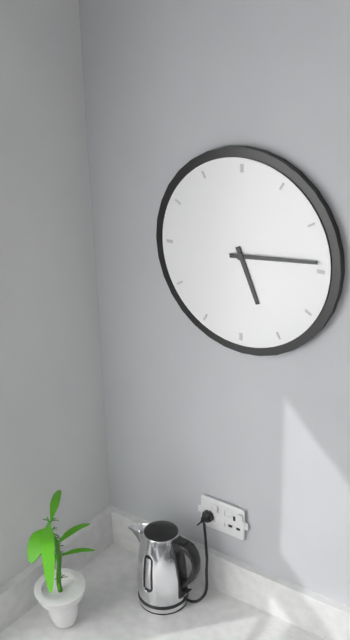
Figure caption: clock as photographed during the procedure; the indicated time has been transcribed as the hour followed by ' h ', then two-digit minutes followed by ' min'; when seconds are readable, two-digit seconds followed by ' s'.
5 h 14 min
